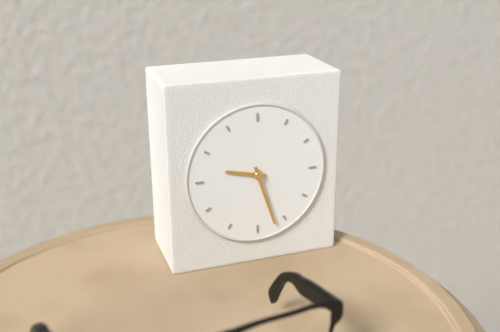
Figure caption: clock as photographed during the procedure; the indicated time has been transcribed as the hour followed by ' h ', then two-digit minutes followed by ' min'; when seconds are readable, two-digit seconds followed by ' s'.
9 h 27 min
